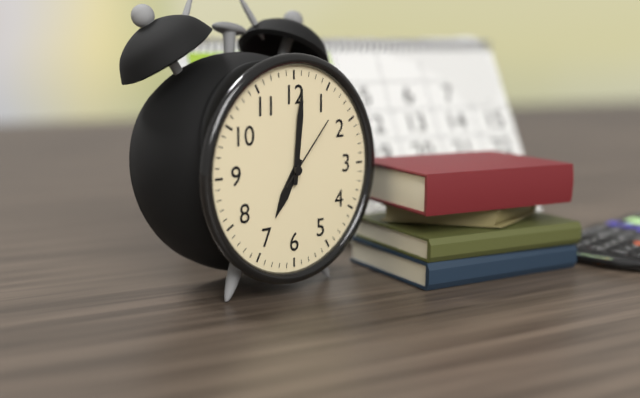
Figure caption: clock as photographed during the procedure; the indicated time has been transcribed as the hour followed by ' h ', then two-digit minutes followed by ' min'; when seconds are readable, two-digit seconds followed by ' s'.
7 h 01 min 07 s
